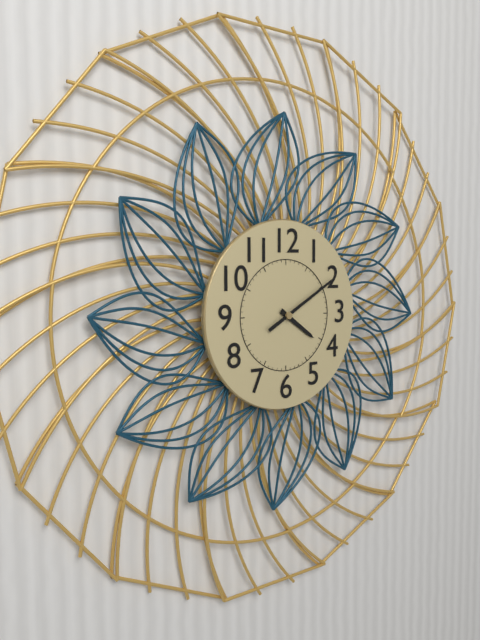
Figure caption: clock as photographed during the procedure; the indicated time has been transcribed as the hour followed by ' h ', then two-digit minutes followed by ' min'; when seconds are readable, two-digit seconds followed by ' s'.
4 h 10 min
